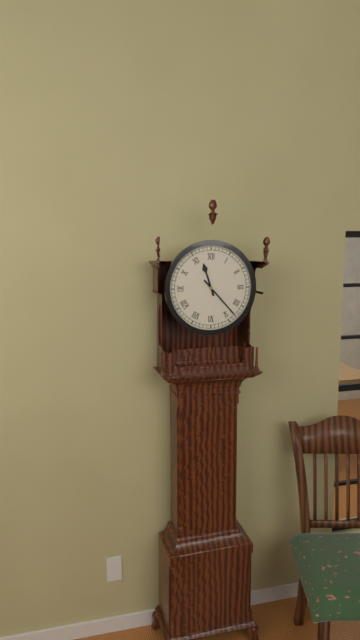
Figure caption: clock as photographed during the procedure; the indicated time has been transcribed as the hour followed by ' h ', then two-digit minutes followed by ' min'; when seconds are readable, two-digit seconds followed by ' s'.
11 h 23 min
